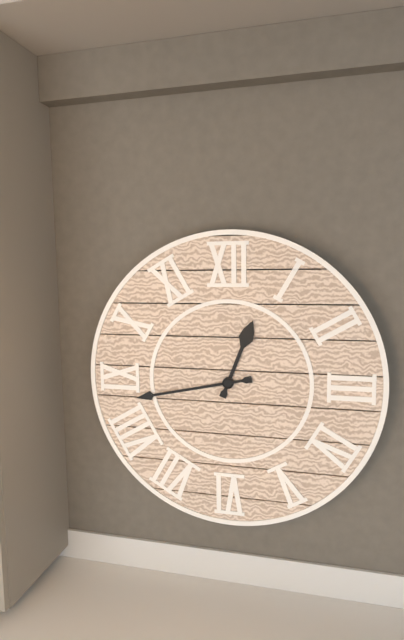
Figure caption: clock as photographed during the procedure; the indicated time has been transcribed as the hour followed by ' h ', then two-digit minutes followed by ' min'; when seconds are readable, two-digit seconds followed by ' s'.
12 h 43 min
